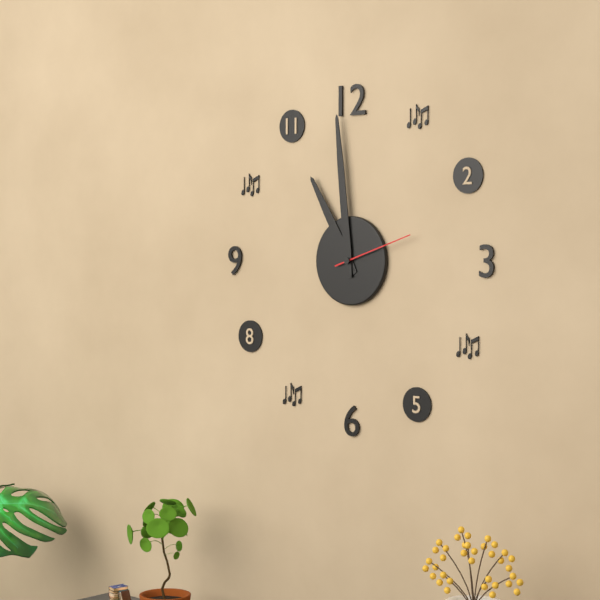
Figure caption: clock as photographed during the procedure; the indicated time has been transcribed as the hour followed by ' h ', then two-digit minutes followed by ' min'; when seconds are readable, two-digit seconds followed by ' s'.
10 h 59 min 12 s
